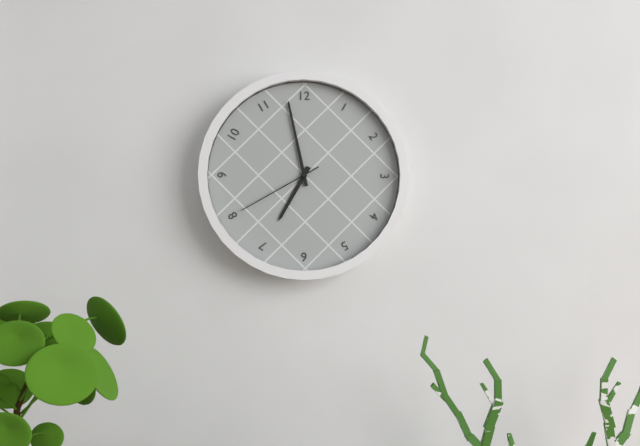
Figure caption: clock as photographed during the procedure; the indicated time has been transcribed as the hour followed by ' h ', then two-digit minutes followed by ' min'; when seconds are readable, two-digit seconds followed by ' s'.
6 h 58 min 40 s
